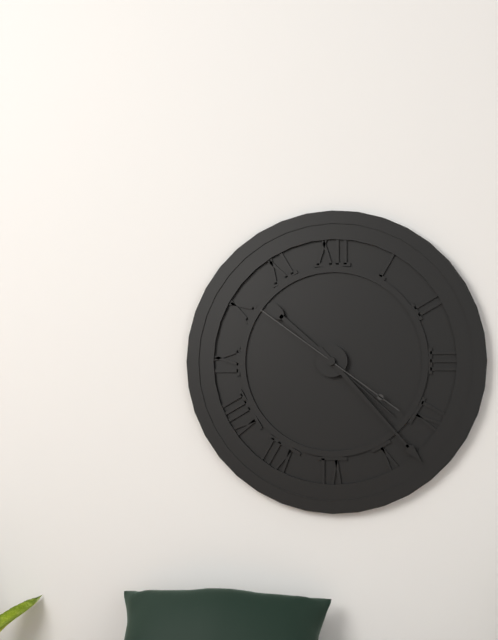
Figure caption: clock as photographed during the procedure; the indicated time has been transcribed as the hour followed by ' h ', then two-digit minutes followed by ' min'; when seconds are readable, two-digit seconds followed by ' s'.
10 h 23 min 51 s
